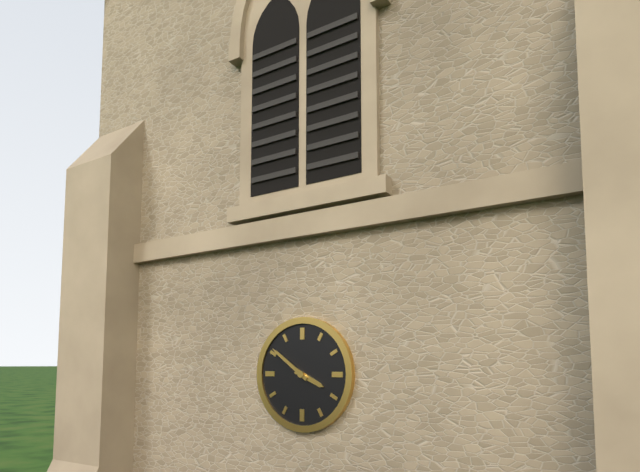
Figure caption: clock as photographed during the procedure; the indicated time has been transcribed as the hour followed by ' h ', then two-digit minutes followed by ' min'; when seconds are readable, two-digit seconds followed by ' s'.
3 h 51 min
